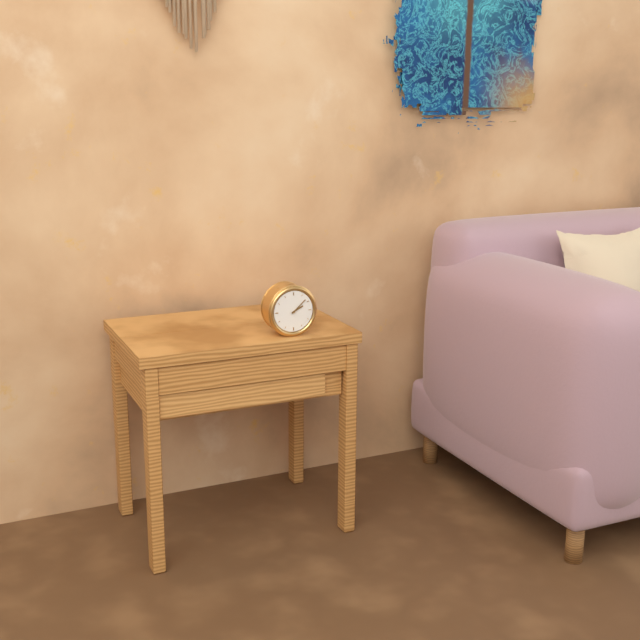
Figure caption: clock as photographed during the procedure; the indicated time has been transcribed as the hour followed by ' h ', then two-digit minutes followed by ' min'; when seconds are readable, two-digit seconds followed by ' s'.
2 h 08 min
